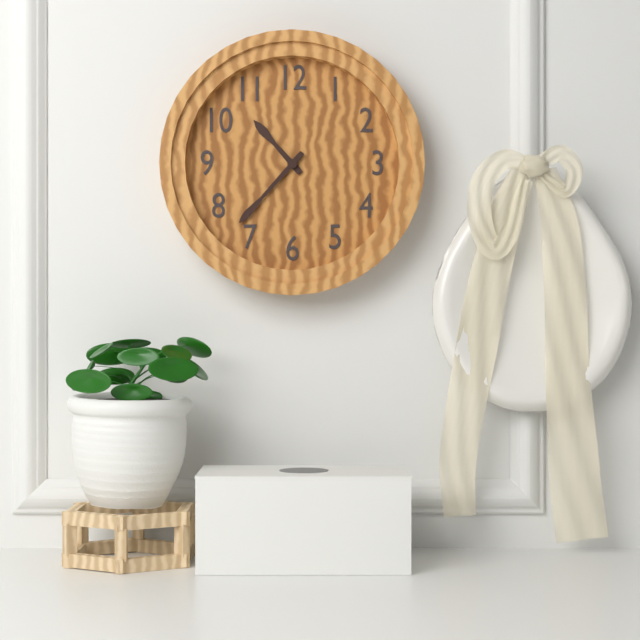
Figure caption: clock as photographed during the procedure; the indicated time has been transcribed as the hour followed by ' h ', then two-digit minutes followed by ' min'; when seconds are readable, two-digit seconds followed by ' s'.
10 h 37 min
